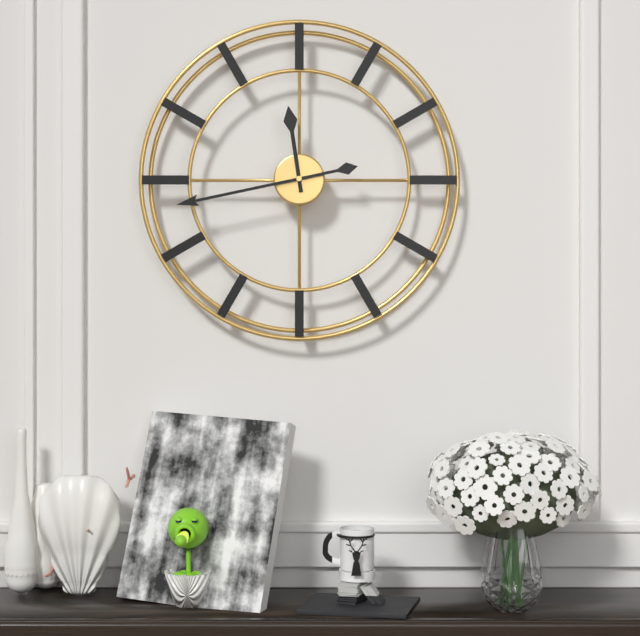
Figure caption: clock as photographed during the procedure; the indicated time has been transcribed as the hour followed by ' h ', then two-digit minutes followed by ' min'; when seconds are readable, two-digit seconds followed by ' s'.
11 h 43 min
